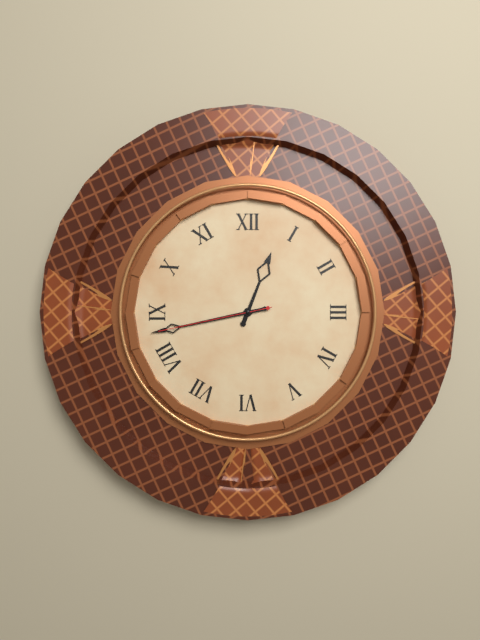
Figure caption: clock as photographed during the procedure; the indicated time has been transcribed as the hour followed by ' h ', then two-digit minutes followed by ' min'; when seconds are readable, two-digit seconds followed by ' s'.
12 h 43 min 43 s
